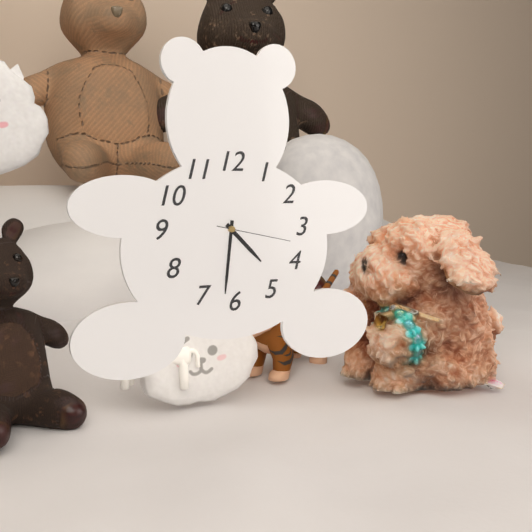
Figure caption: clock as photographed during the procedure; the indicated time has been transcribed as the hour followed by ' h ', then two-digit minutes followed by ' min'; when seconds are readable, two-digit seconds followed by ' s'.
4 h 31 min 17 s
